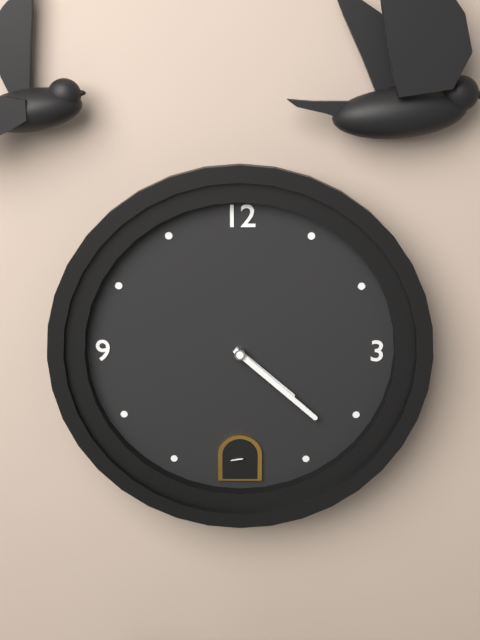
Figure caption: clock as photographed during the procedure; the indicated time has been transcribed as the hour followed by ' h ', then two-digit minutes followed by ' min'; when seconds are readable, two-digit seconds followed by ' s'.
4 h 22 min
